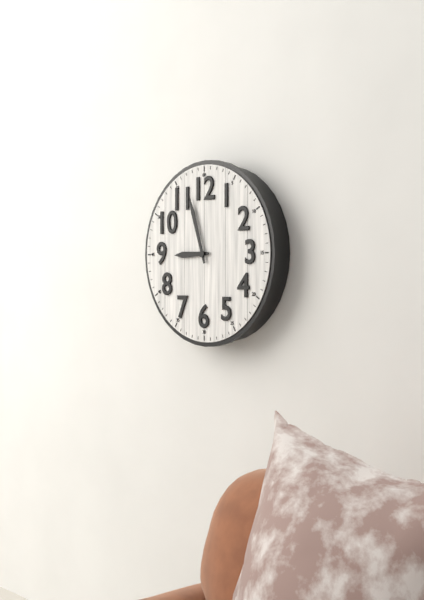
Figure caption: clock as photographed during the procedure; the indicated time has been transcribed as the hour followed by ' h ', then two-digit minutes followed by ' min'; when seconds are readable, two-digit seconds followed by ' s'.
8 h 57 min
